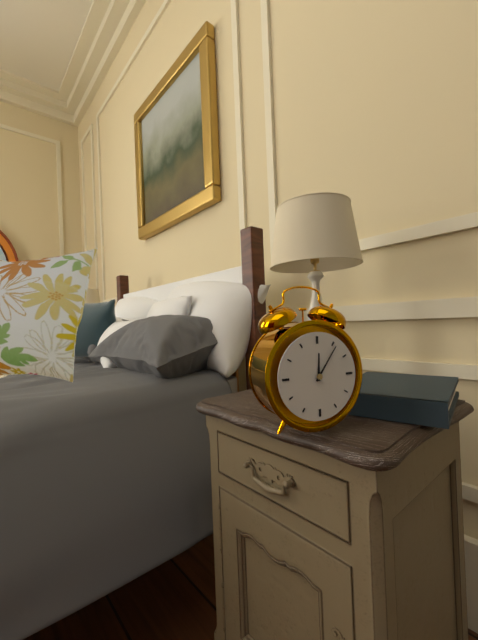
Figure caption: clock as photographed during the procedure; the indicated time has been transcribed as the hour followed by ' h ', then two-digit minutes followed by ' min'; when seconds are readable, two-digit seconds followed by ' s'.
12 h 06 min
